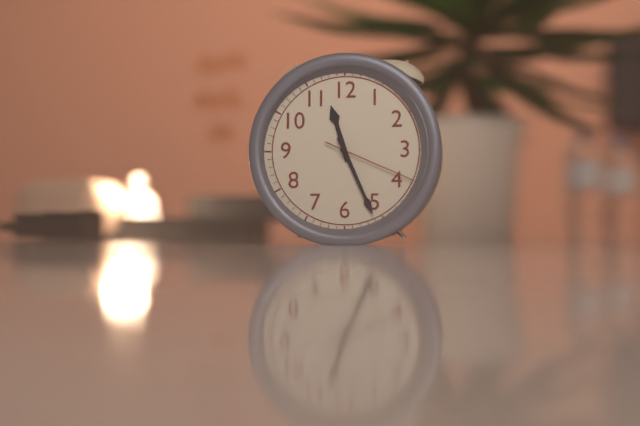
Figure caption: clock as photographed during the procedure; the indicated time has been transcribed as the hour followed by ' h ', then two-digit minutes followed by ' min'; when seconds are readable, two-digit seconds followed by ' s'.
11 h 26 min 19 s
